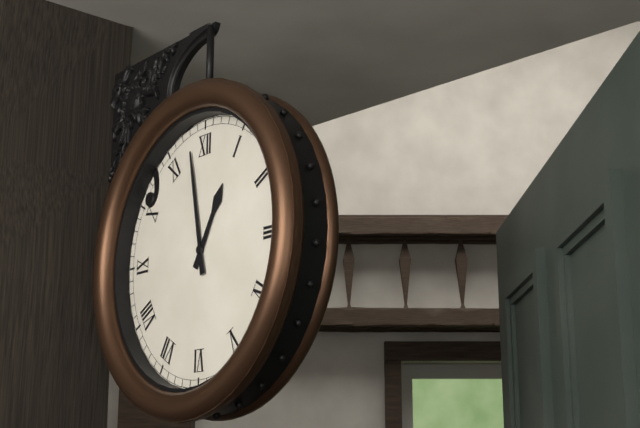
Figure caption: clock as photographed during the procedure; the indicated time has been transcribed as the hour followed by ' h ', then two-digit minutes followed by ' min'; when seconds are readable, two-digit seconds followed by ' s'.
12 h 58 min
